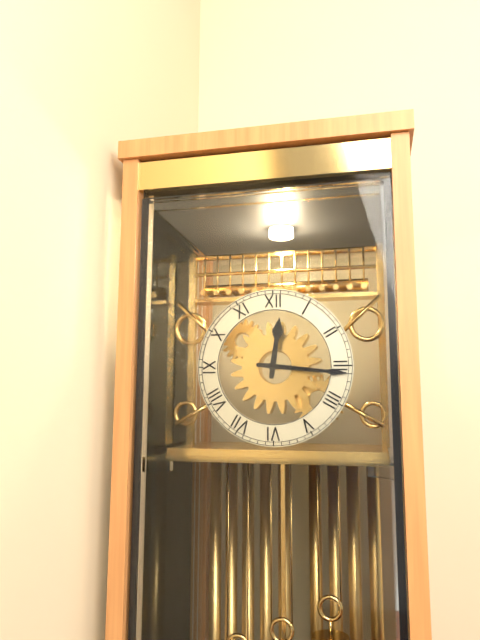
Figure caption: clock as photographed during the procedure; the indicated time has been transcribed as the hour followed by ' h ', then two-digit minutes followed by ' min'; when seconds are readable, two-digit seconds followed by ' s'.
12 h 16 min
